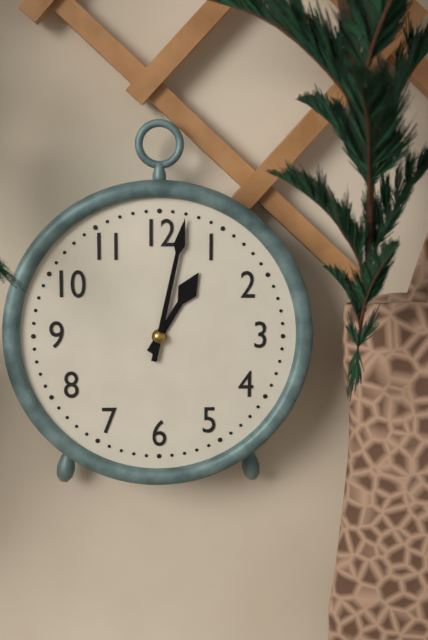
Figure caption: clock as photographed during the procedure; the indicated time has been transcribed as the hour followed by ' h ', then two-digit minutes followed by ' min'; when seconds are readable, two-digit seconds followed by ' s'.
1 h 02 min
